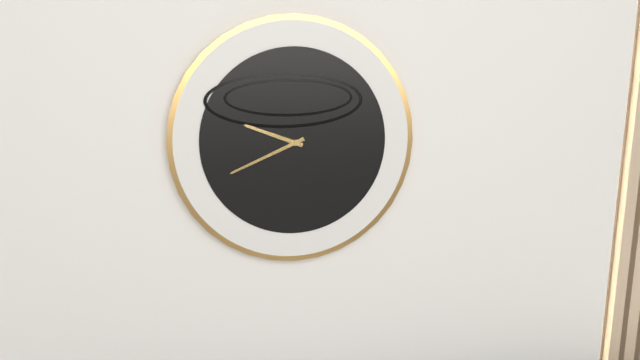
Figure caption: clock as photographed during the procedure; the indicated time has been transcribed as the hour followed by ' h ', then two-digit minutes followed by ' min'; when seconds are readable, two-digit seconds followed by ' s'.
9 h 41 min
